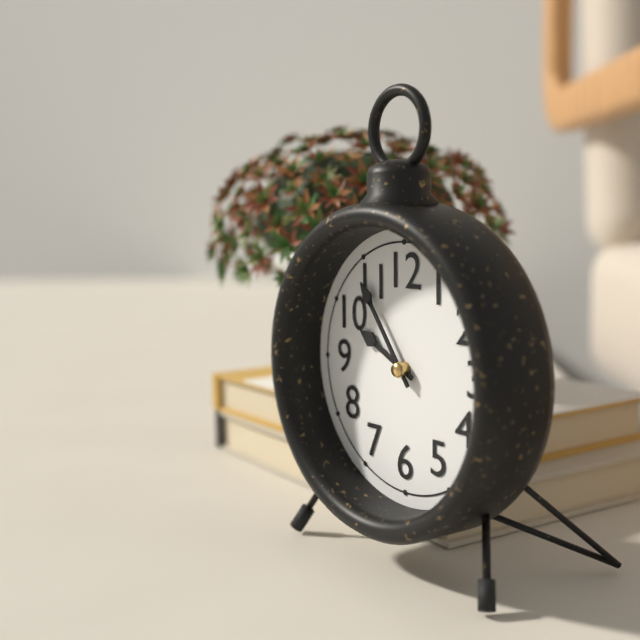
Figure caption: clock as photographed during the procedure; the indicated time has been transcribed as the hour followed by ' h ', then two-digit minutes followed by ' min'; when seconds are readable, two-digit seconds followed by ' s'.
9 h 54 min
